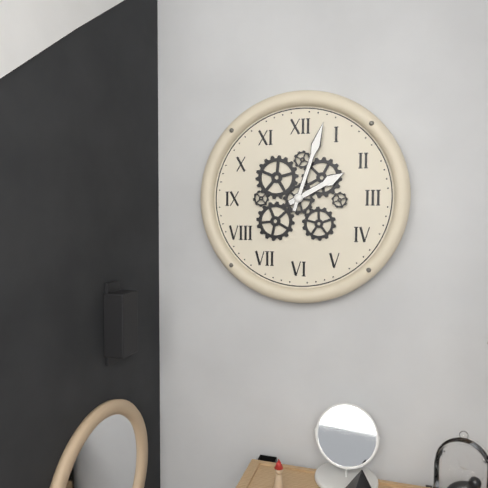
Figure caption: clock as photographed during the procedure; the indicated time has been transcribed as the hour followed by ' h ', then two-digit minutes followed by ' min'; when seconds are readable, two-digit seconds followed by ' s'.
2 h 03 min
